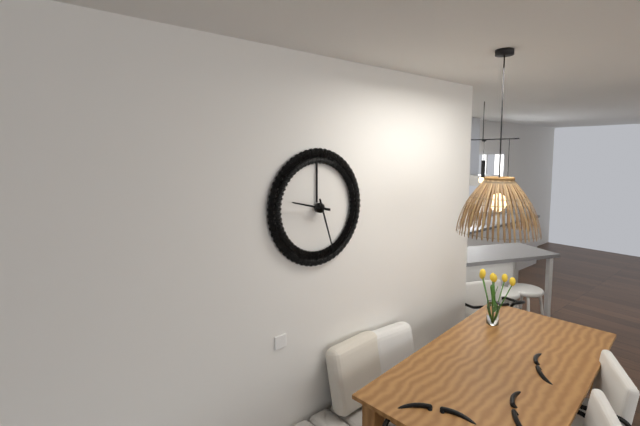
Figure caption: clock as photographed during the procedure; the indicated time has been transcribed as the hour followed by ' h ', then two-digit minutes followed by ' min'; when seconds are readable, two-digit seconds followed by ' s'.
9 h 27 min
